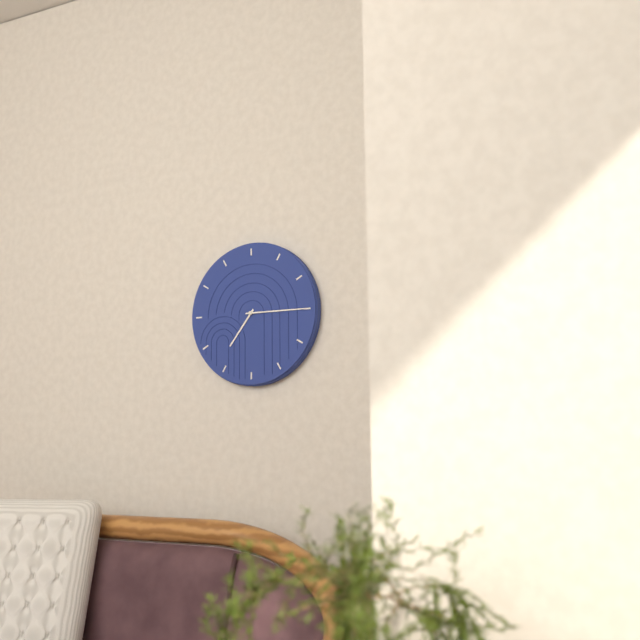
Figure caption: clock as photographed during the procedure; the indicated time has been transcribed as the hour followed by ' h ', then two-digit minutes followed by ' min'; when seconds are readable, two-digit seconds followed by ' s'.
7 h 15 min
